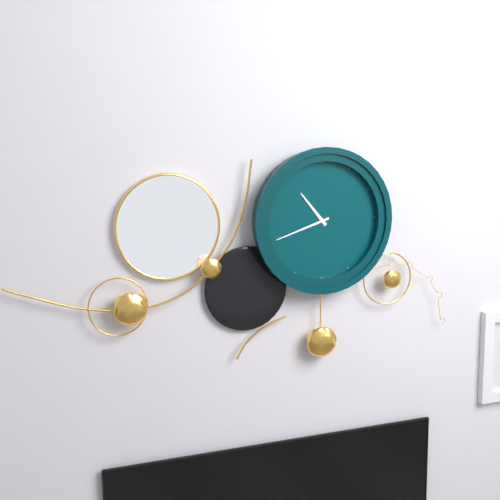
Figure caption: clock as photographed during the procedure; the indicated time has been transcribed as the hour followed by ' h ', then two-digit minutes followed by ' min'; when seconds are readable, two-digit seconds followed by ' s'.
10 h 42 min
